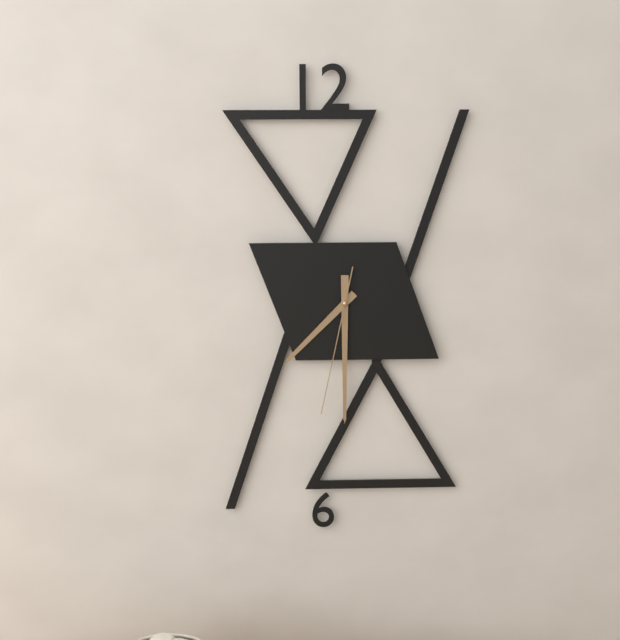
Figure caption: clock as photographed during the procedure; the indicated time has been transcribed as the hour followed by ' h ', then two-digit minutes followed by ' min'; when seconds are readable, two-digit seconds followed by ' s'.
7 h 30 min 32 s
